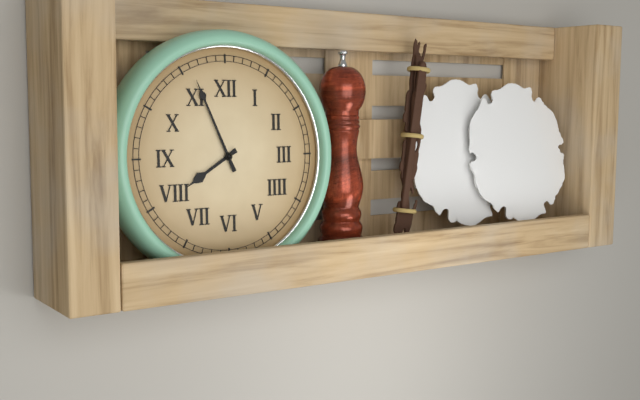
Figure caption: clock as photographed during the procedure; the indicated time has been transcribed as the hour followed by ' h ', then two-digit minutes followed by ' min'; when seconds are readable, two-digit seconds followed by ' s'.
7 h 56 min
